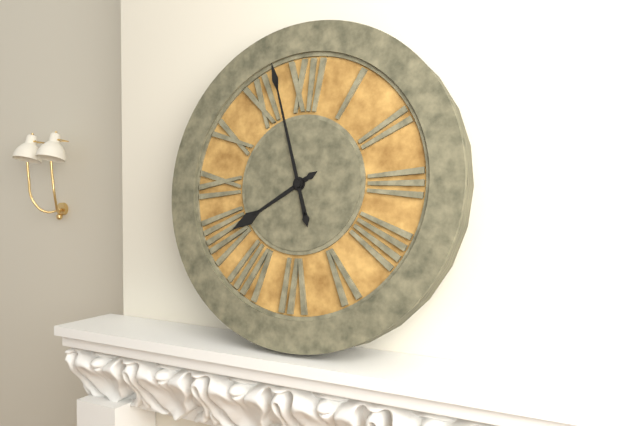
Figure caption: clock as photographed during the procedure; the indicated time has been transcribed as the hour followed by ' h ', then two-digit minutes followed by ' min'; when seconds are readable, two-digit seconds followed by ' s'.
7 h 57 min
